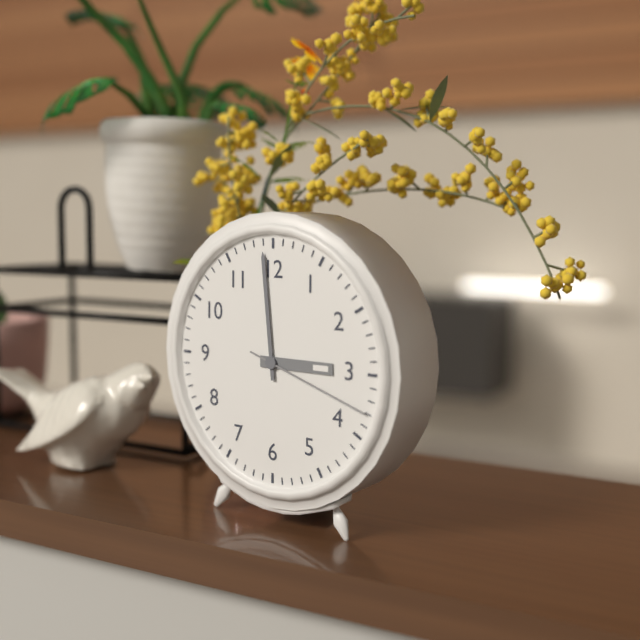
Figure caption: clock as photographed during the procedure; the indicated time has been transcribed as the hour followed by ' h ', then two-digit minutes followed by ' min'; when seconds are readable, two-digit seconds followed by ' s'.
2 h 59 min 18 s
